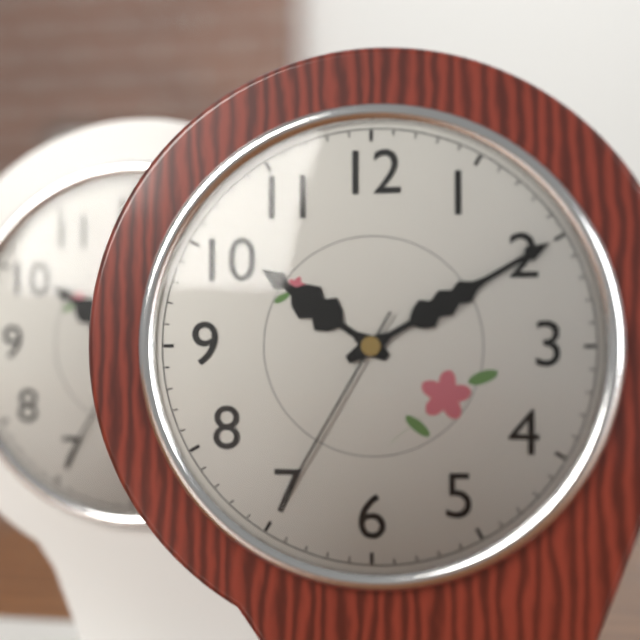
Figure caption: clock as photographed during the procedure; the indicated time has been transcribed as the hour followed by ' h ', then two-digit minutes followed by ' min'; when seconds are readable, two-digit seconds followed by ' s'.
10 h 10 min 35 s
